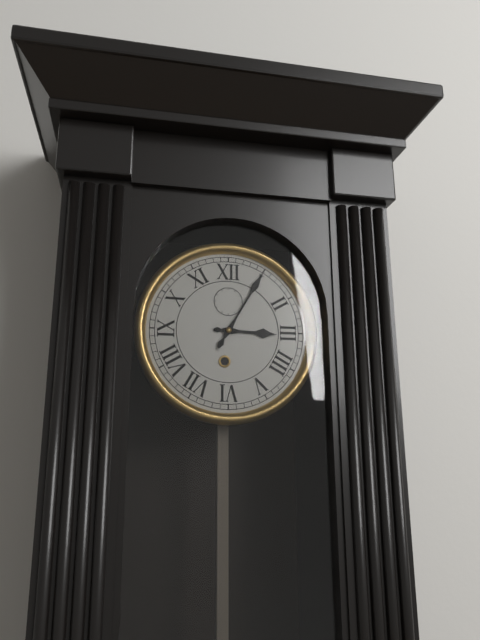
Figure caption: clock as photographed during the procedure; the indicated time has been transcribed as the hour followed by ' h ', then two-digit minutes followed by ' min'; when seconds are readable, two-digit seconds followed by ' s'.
3 h 05 min
